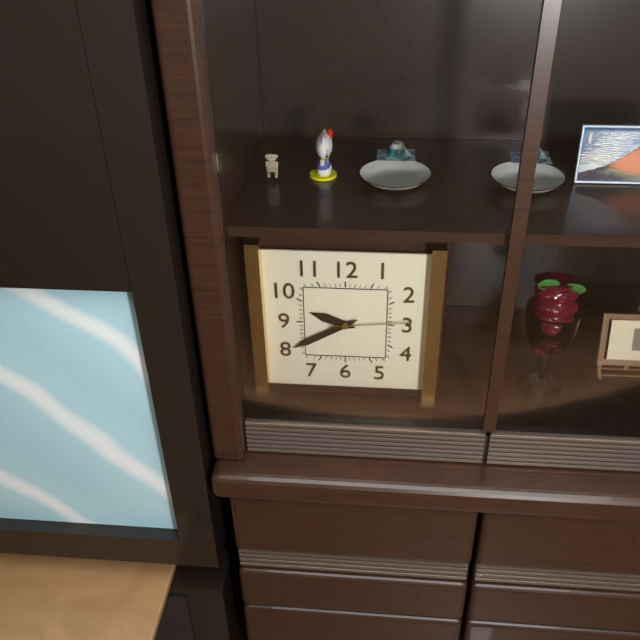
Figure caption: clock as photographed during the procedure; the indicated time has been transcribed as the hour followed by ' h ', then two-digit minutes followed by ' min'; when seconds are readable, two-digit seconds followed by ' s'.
9 h 40 min 14 s
